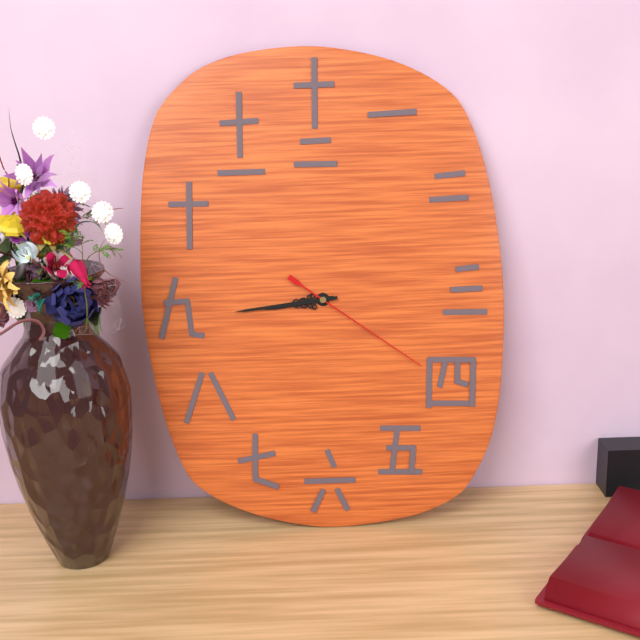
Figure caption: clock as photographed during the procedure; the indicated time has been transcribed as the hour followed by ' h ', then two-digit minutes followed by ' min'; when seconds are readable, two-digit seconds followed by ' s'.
8 h 44 min 21 s
